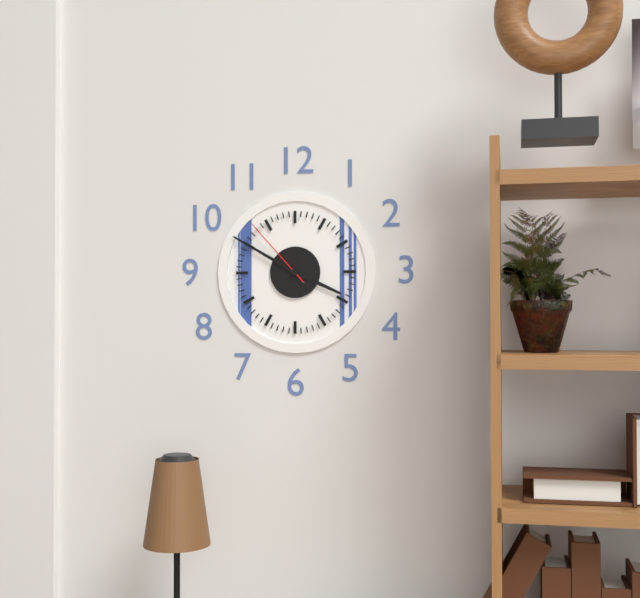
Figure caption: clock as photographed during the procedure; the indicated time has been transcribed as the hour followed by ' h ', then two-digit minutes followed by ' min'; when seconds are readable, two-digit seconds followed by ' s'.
3 h 50 min 53 s
